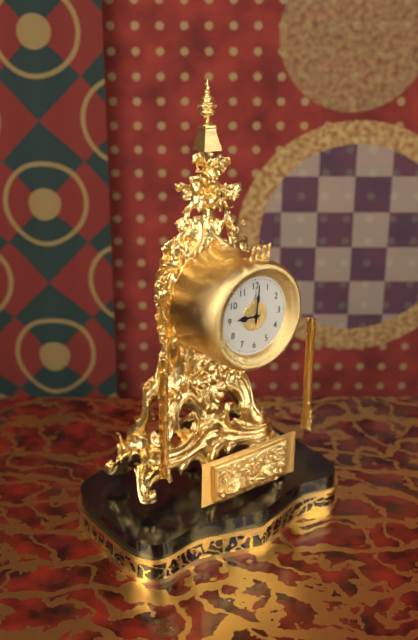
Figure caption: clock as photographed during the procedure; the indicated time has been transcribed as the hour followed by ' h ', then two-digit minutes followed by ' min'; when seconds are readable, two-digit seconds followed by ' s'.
9 h 01 min
